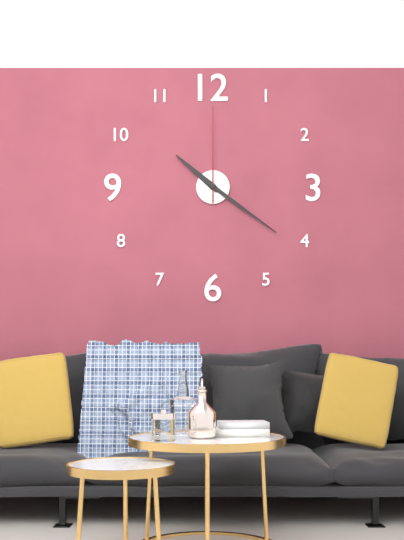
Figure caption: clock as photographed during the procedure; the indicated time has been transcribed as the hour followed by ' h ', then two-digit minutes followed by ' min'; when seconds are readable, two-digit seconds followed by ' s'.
10 h 21 min 00 s
